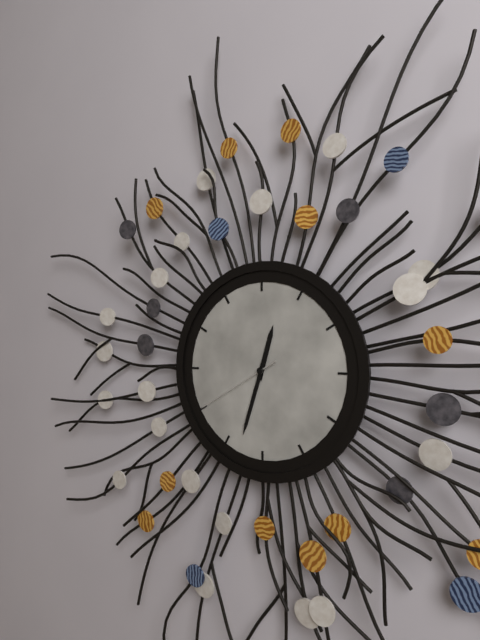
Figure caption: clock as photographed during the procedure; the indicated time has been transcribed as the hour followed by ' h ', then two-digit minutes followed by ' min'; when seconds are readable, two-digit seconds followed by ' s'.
12 h 33 min 40 s
